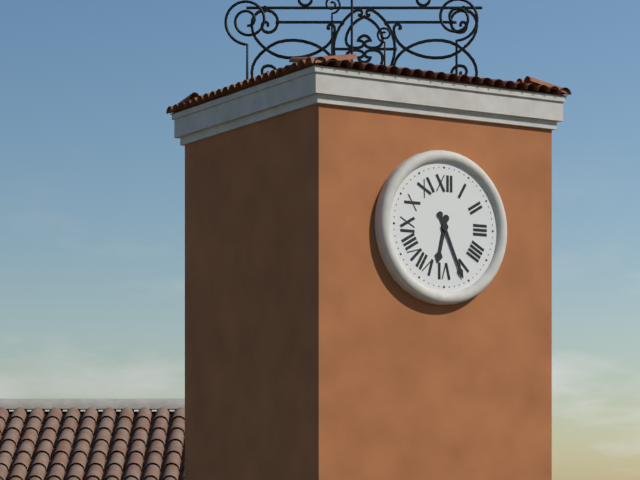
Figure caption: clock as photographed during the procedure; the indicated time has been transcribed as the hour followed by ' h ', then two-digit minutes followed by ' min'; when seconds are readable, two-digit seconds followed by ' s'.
6 h 26 min
